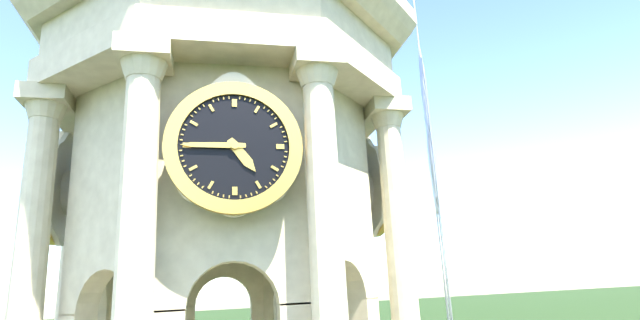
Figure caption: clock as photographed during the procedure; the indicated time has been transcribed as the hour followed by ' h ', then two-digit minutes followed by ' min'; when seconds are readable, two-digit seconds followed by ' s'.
4 h 45 min
